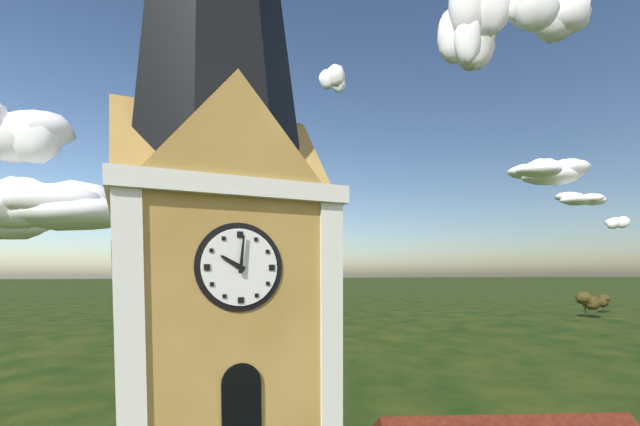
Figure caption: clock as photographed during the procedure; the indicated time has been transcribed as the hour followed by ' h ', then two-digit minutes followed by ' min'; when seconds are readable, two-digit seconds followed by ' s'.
10 h 01 min
